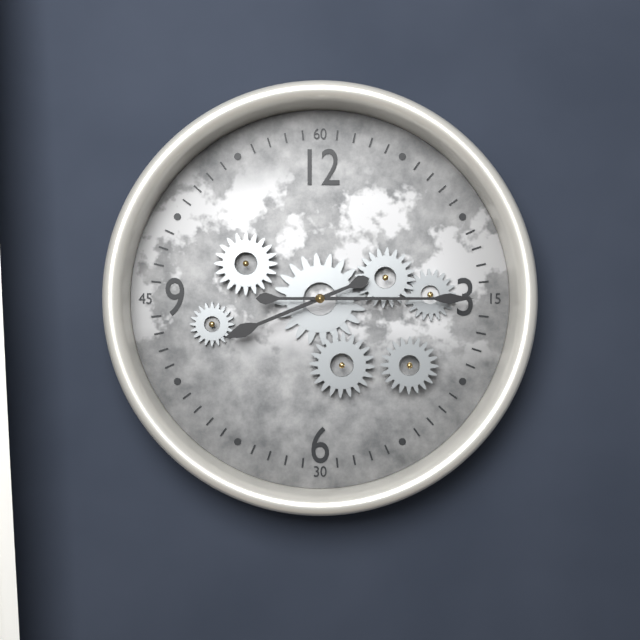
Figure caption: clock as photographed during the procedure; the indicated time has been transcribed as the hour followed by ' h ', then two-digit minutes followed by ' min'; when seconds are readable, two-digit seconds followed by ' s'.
8 h 15 min
